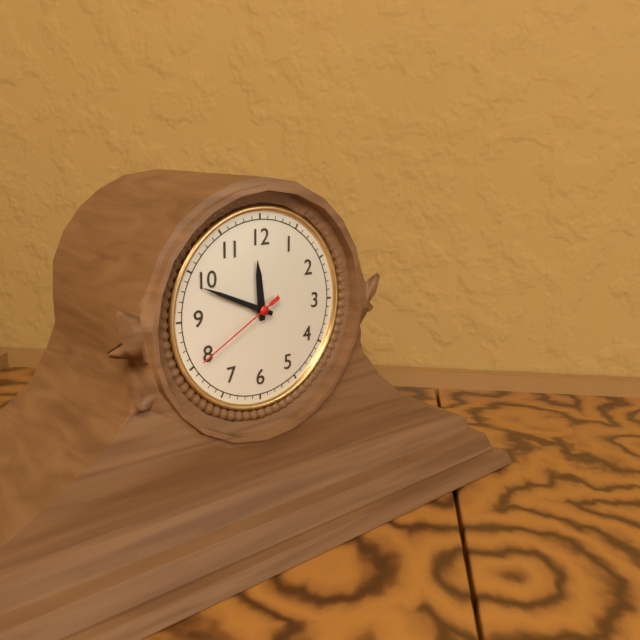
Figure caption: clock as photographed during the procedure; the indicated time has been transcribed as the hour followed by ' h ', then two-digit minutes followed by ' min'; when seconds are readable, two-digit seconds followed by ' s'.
11 h 49 min 40 s
